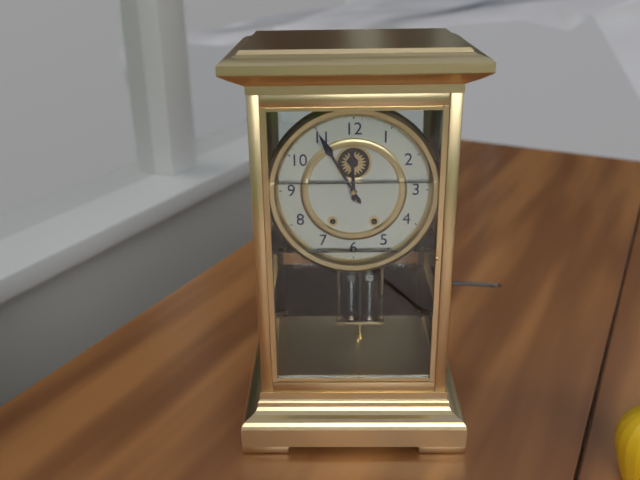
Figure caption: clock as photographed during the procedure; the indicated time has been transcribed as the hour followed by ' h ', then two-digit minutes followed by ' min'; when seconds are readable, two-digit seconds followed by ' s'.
11 h 55 min
